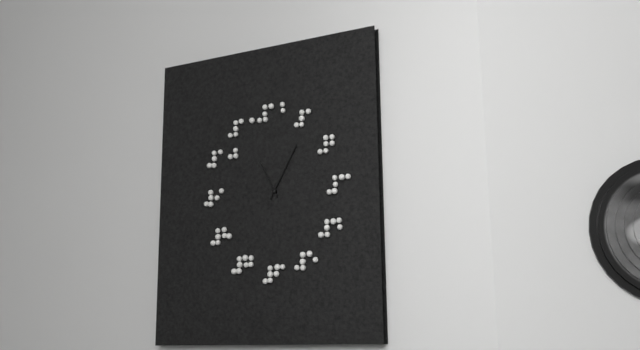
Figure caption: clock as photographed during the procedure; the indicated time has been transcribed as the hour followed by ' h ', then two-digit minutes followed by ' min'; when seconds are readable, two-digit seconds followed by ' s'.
11 h 05 min
